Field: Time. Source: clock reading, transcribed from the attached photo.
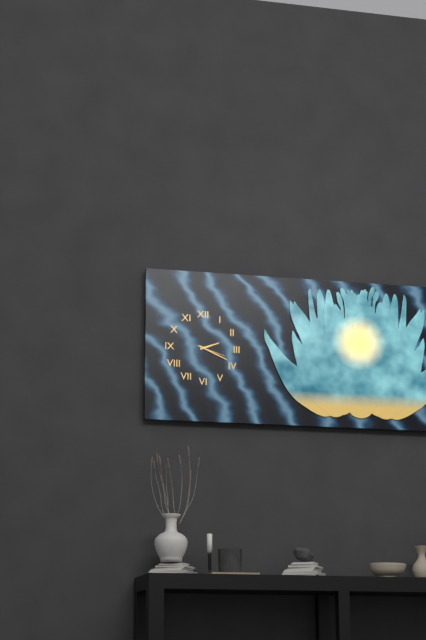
2:19
